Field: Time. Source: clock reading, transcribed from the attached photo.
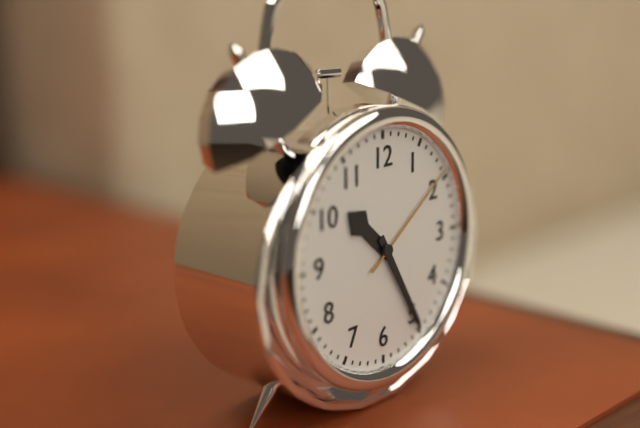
10:25:09
